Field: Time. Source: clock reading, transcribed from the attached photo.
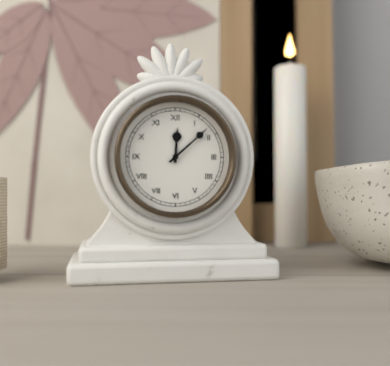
12:08
